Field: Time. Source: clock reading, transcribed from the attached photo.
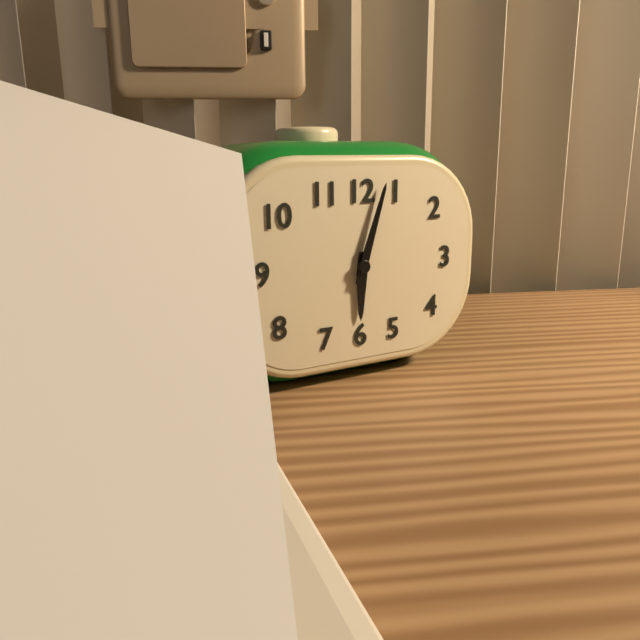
6:03
